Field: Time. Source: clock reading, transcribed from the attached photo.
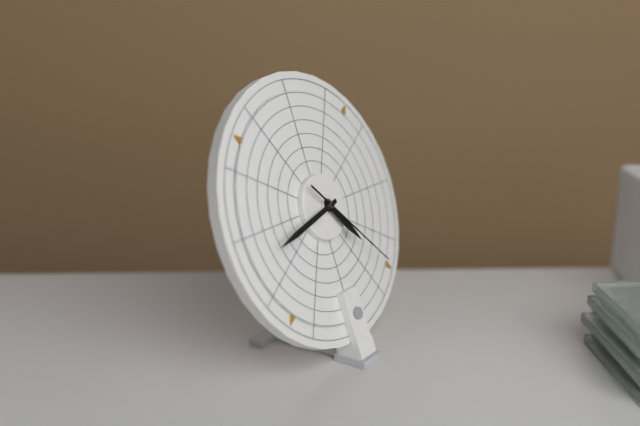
4:43:23
